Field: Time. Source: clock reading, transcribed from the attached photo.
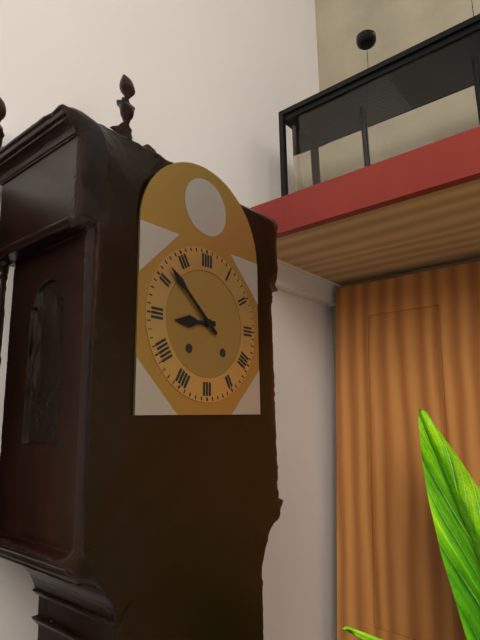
8:52
